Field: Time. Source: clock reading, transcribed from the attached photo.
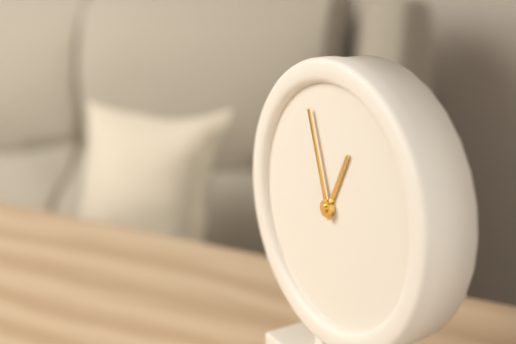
12:57
